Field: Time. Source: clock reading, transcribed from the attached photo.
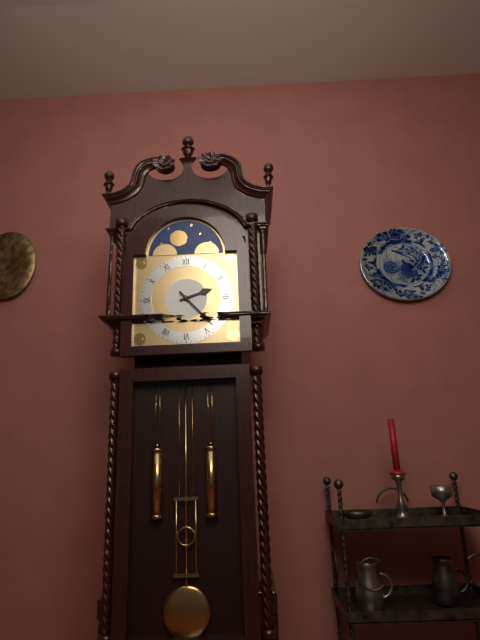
2:23
